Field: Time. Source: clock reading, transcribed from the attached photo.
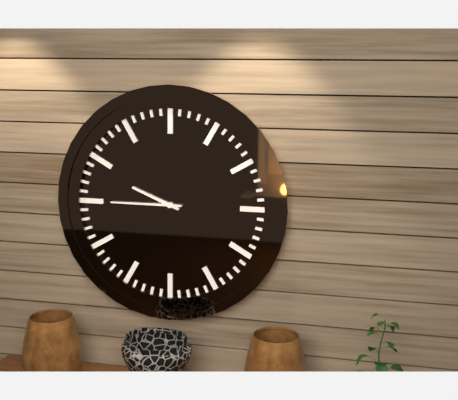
9:45
